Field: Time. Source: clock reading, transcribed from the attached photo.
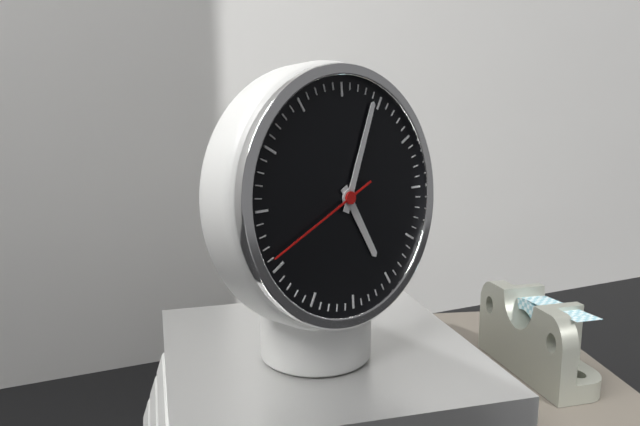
5:04:41
